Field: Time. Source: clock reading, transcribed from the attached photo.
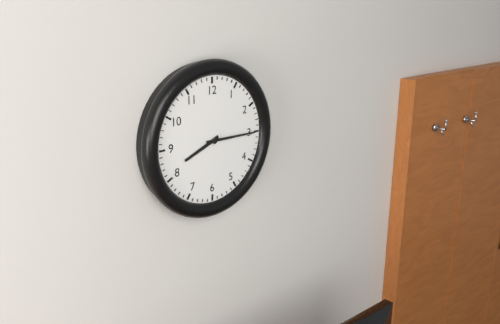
8:15
